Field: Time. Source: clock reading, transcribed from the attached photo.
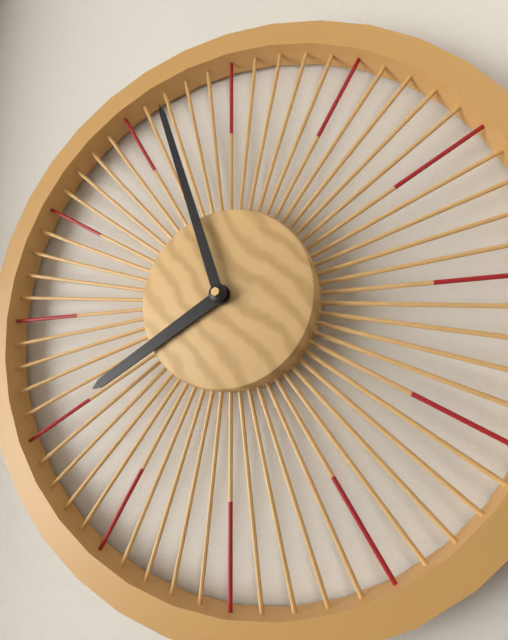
7:57
